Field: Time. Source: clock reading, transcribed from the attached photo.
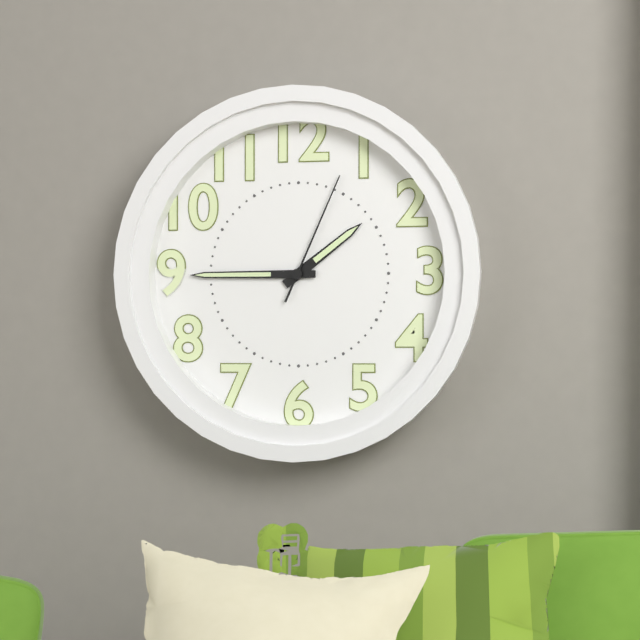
1:45:04
